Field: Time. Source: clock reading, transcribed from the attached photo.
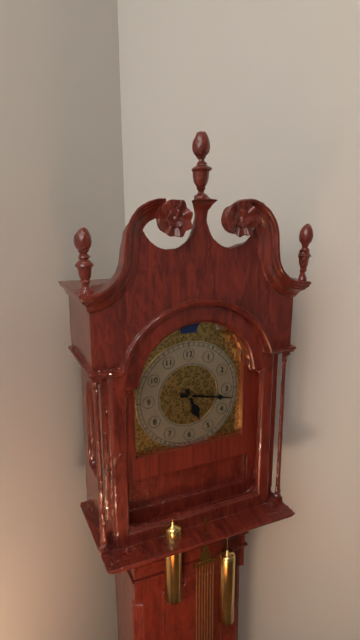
5:17
